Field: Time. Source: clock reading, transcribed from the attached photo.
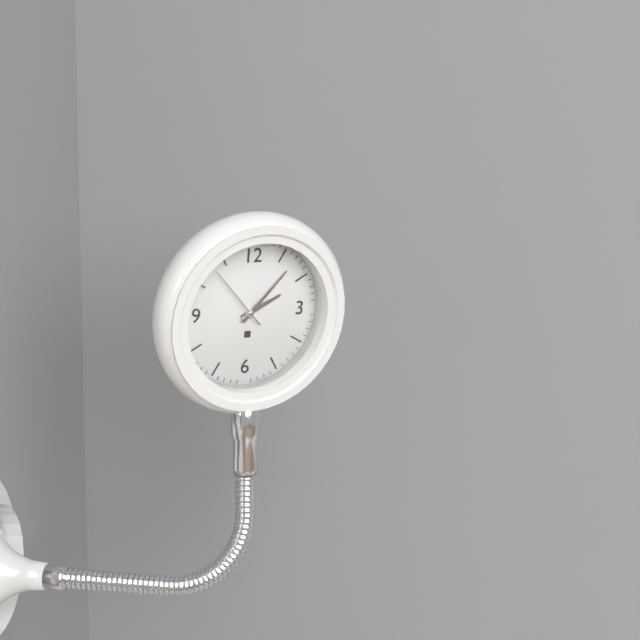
2:07:53
